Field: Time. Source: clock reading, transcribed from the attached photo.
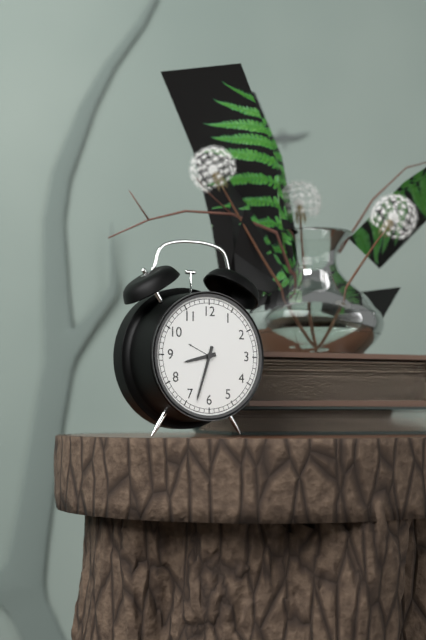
8:33
